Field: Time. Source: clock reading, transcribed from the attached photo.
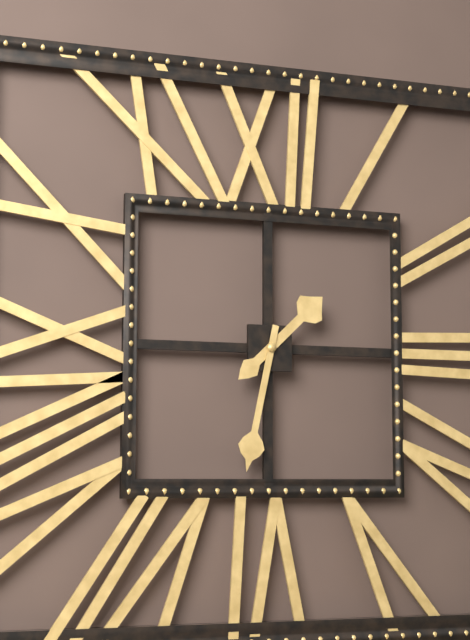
1:32
